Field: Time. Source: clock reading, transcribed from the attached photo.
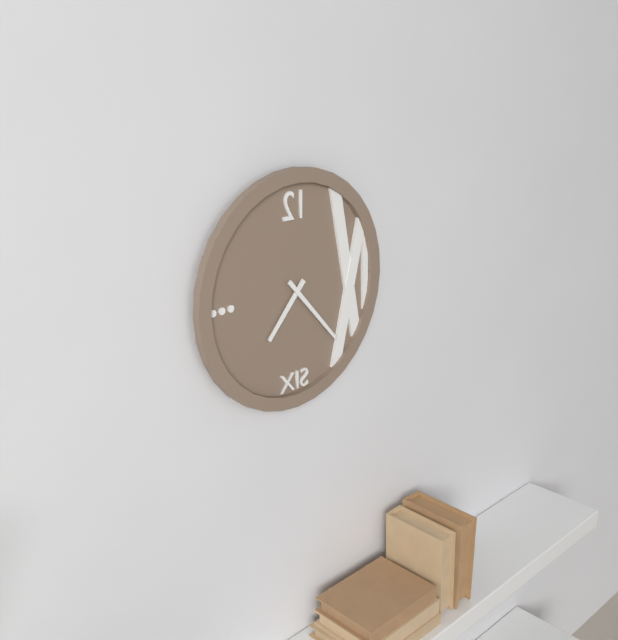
7:23
